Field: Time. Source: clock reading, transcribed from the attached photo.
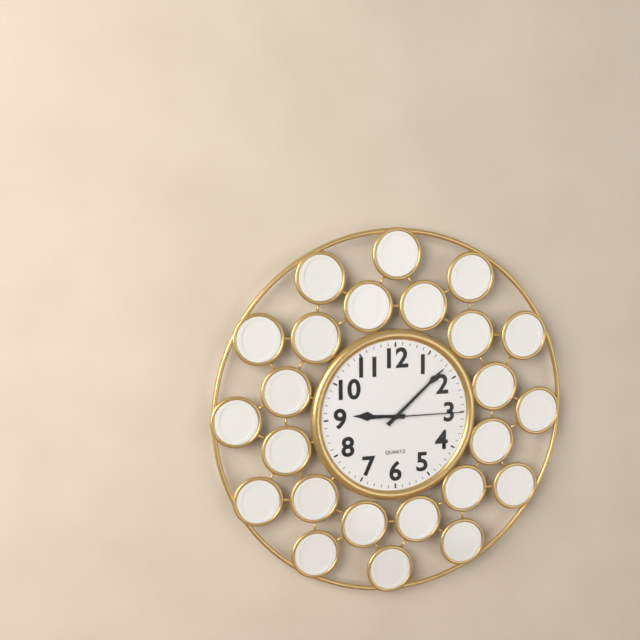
9:08:15
